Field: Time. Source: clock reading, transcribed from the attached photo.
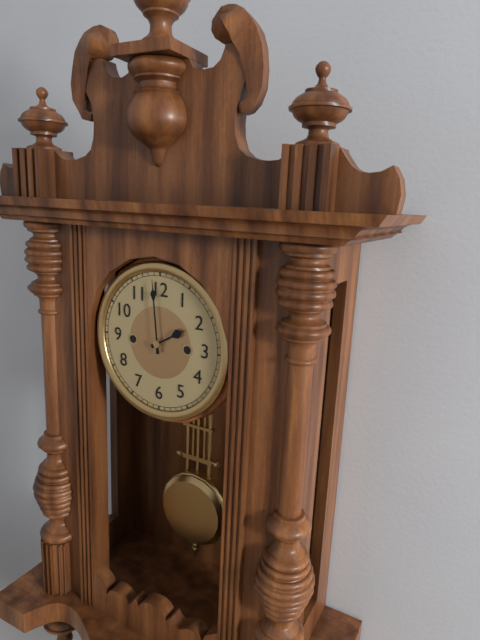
1:59
